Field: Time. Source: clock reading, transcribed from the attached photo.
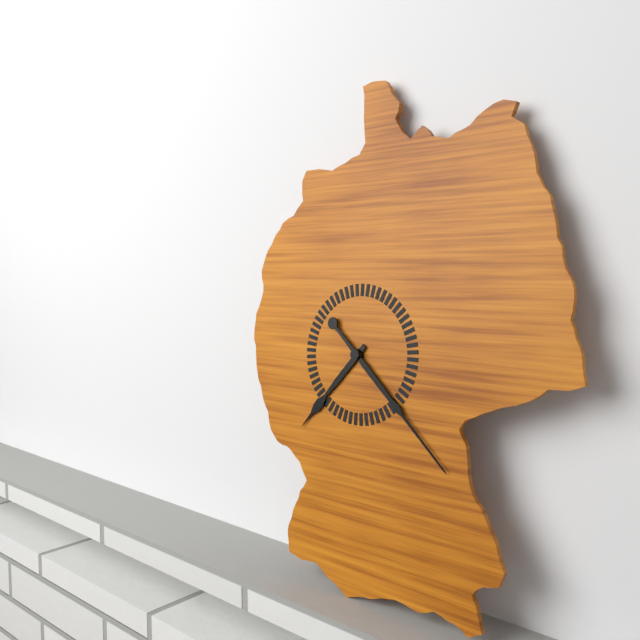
7:22
